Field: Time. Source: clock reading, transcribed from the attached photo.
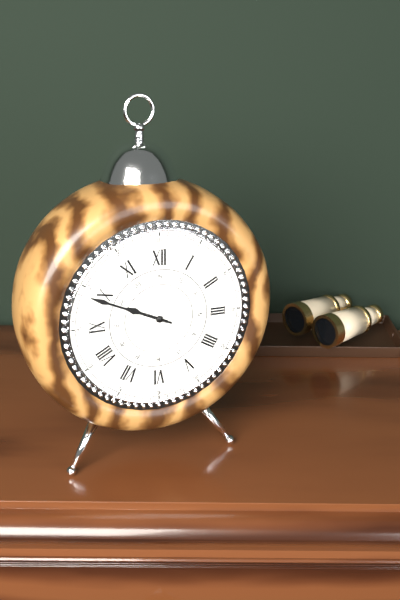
9:49
